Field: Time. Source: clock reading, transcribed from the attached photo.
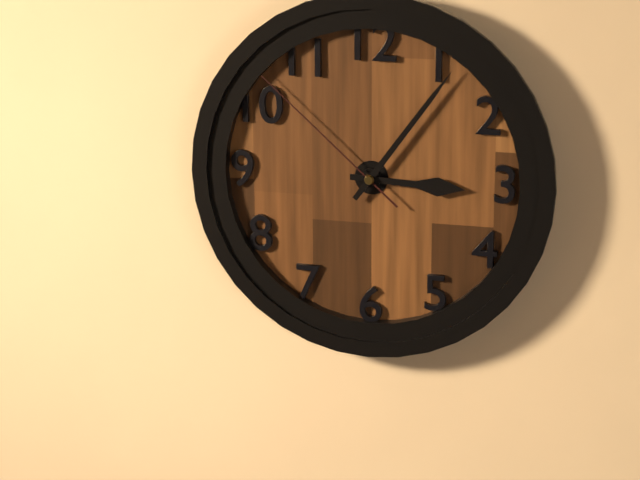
3:06:52
